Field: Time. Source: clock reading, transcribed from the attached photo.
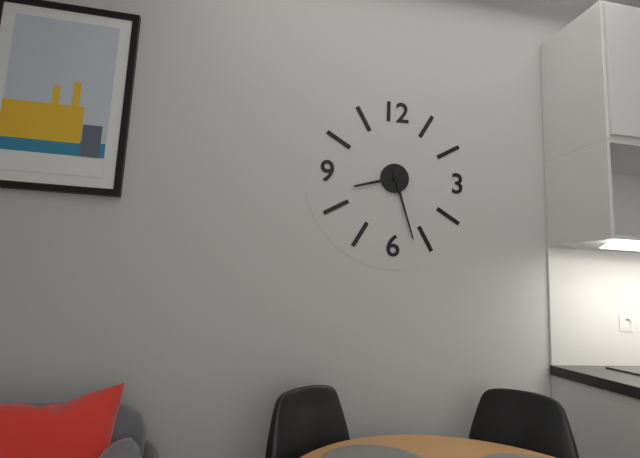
8:27
